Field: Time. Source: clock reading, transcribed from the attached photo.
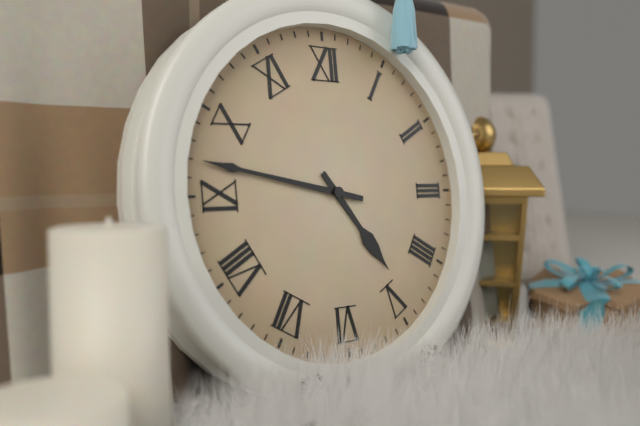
4:47
